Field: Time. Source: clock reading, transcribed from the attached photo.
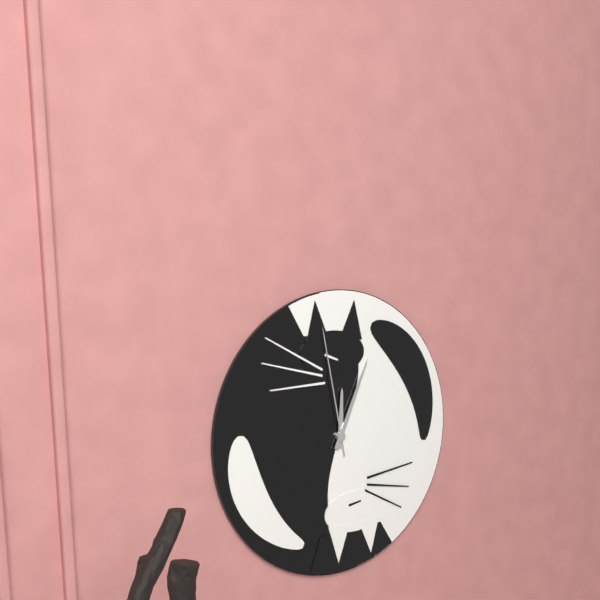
12:04:58
